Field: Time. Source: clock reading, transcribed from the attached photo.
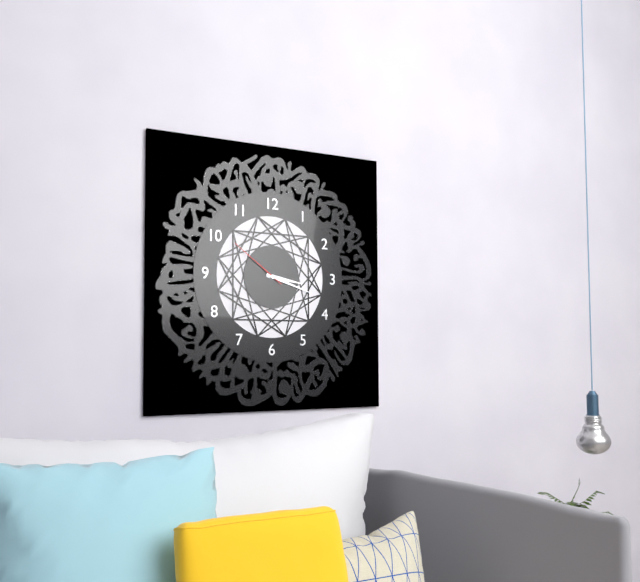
3:18:51
